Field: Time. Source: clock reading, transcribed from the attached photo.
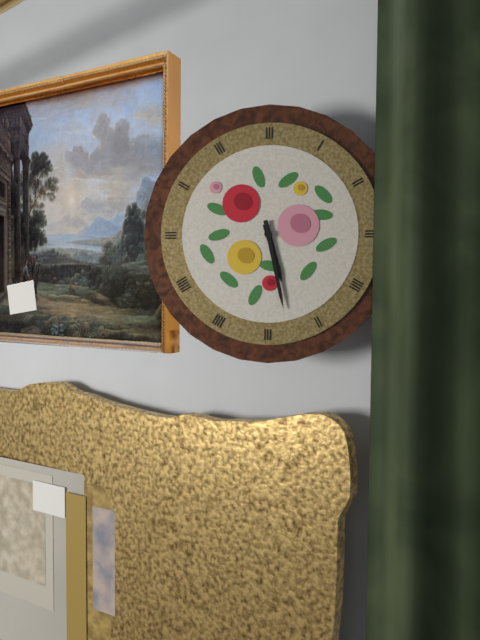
5:28
